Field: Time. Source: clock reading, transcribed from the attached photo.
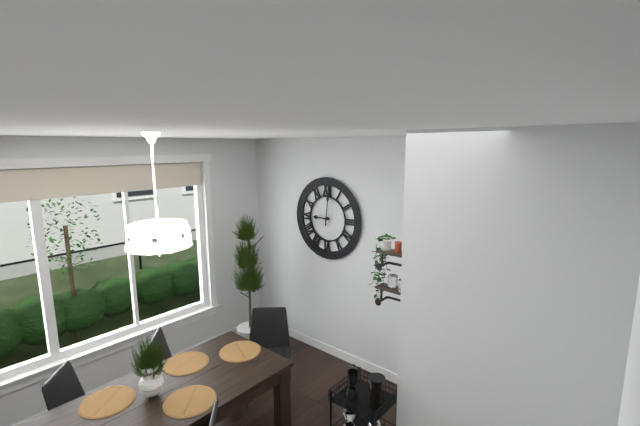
9:01
